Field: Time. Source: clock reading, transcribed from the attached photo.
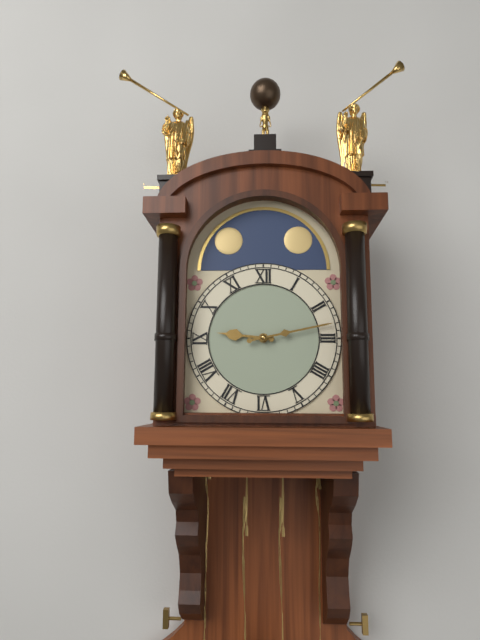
9:13
